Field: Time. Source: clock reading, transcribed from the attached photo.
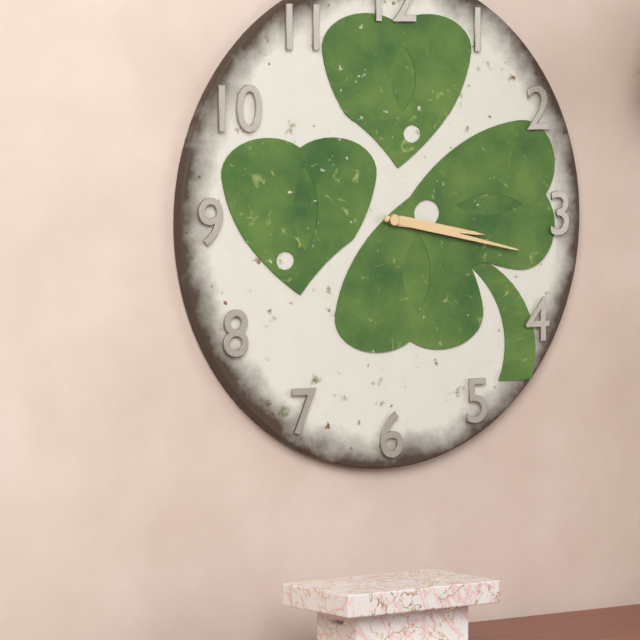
3:17
